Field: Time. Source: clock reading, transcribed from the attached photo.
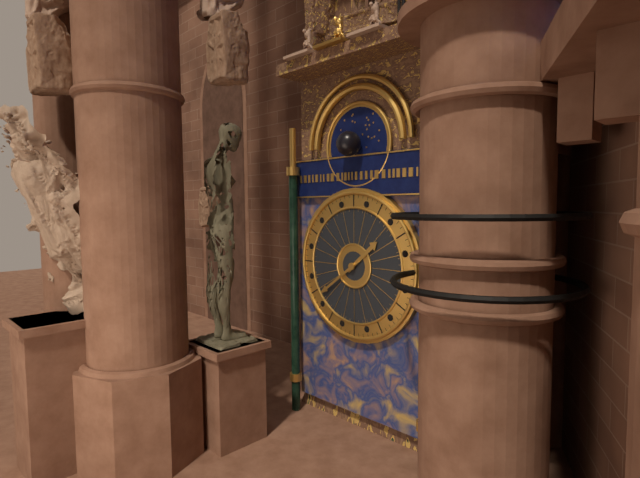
1:39
